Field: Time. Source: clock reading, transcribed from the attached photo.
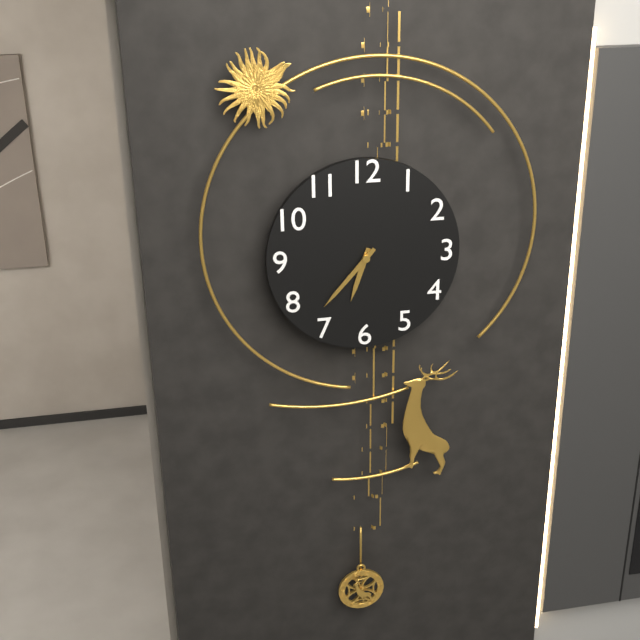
6:37
